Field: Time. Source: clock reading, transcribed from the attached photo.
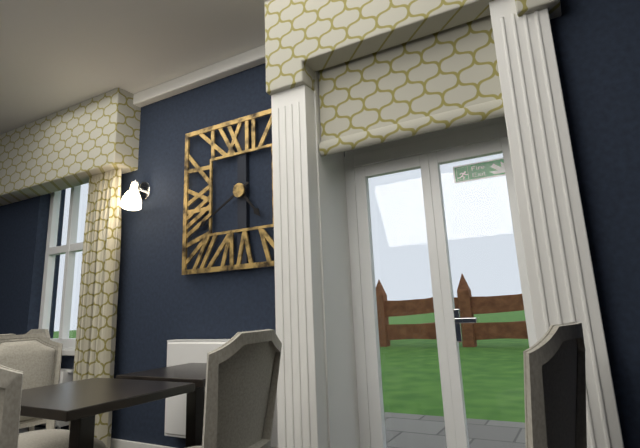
4:40
